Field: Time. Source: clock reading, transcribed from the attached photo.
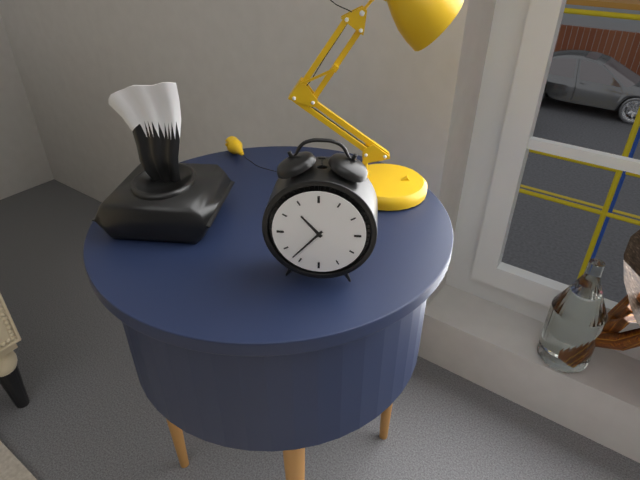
10:37
